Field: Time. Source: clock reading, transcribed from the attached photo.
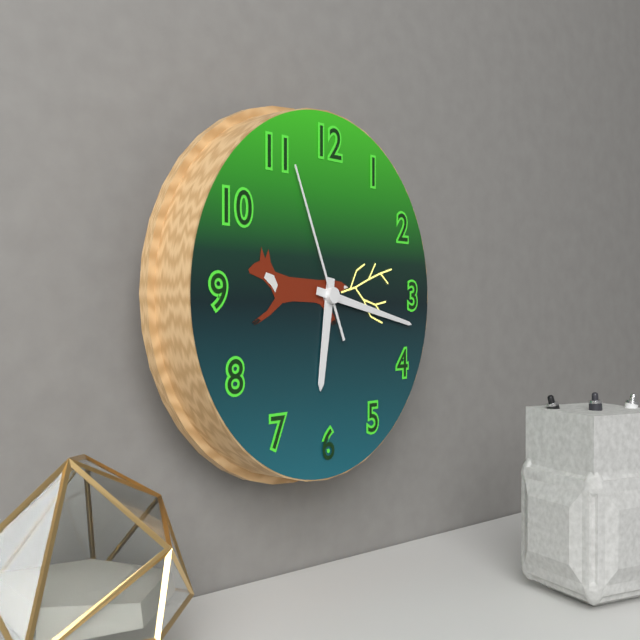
6:17:56
